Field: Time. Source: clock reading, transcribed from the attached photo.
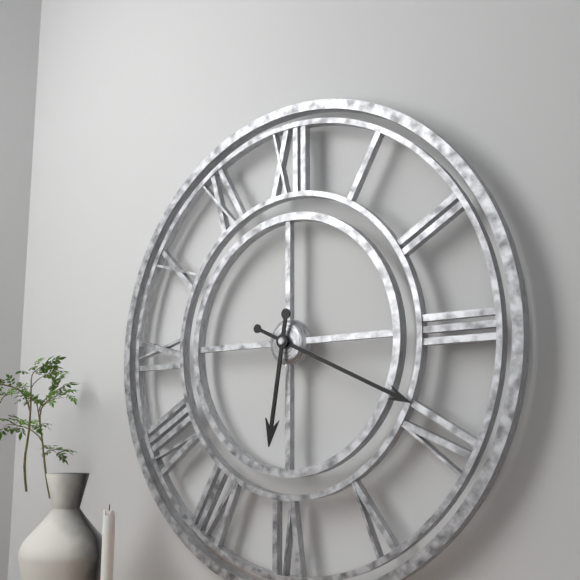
6:19
